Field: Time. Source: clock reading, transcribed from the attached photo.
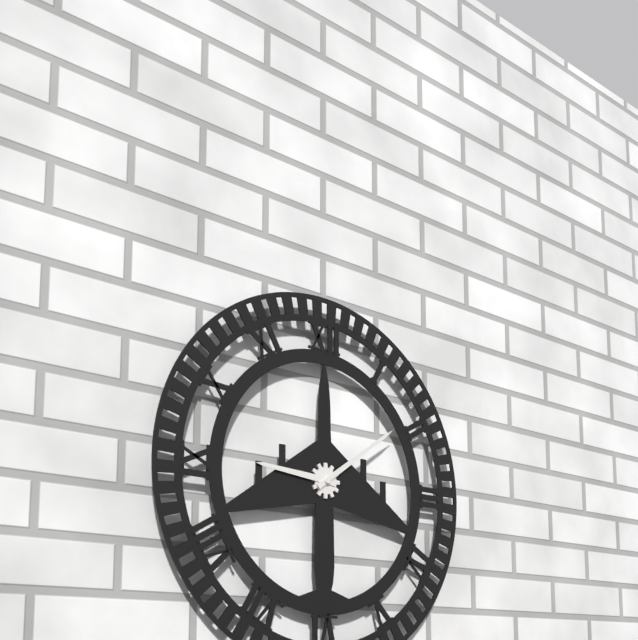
9:09
